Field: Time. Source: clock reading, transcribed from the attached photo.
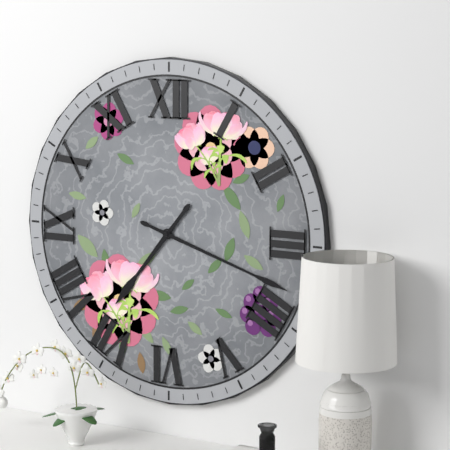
7:18
